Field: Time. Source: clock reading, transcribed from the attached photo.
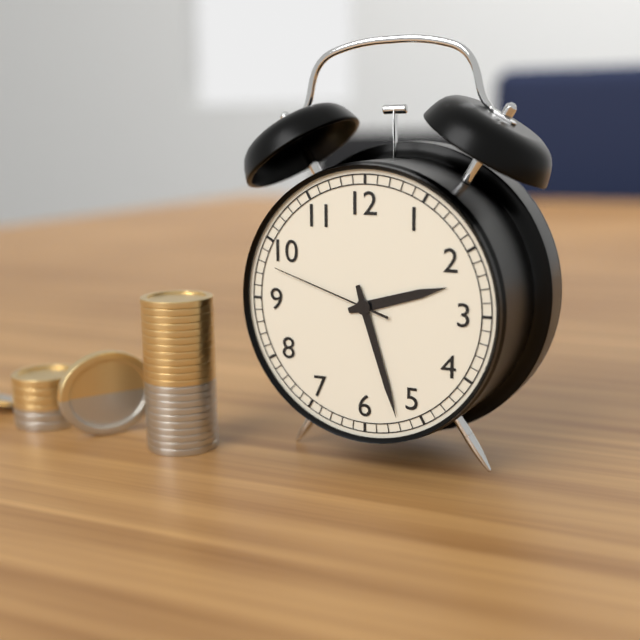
2:27:48
